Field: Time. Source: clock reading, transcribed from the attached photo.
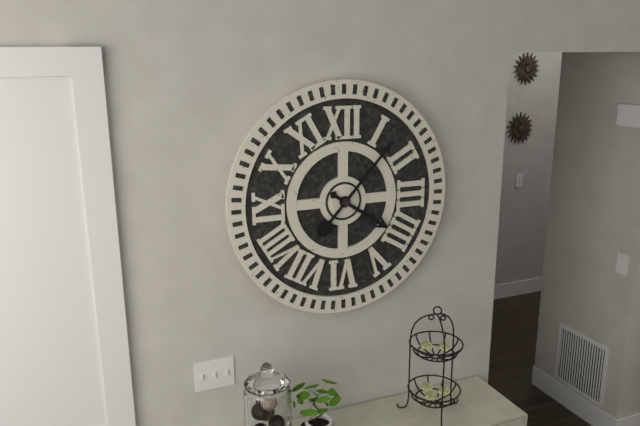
4:07
